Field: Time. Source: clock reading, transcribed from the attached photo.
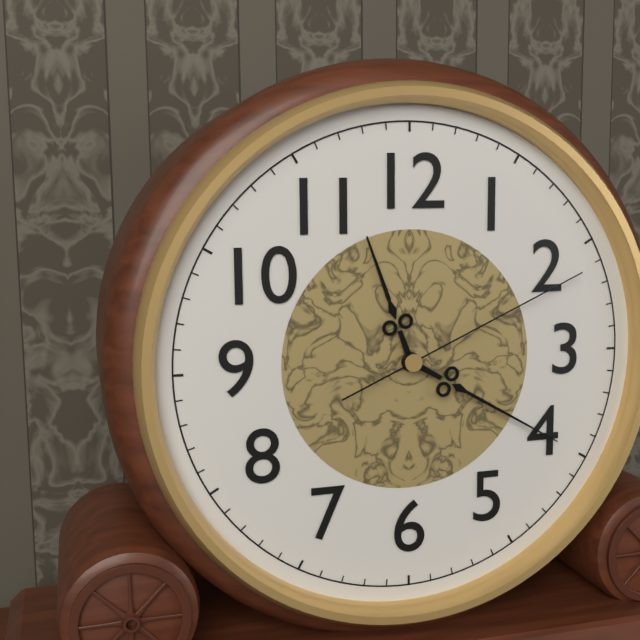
11:20:11
